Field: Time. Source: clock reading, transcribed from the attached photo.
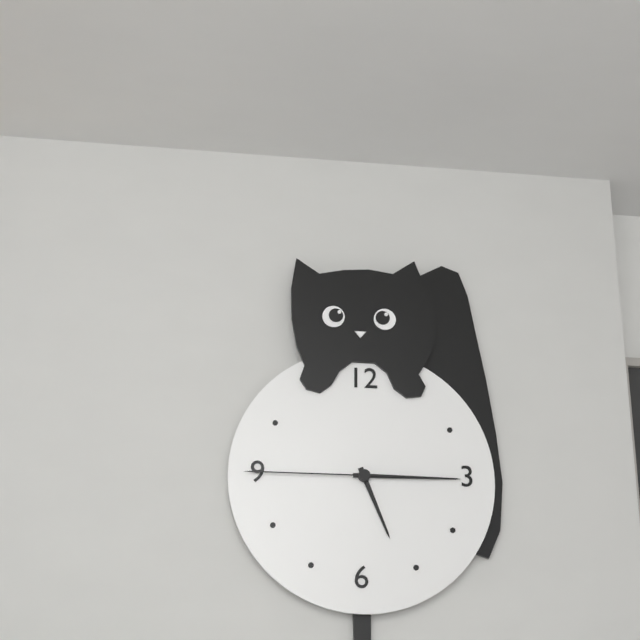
5:15:45
